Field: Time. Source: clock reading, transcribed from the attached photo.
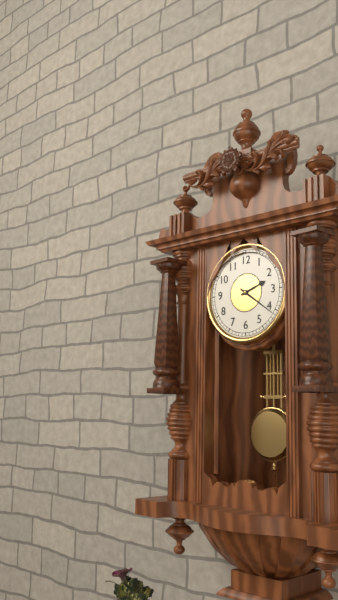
2:21
